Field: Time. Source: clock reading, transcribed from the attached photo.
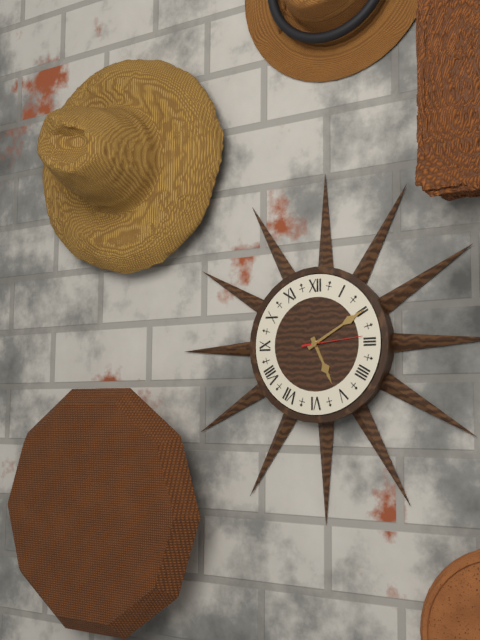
5:10
